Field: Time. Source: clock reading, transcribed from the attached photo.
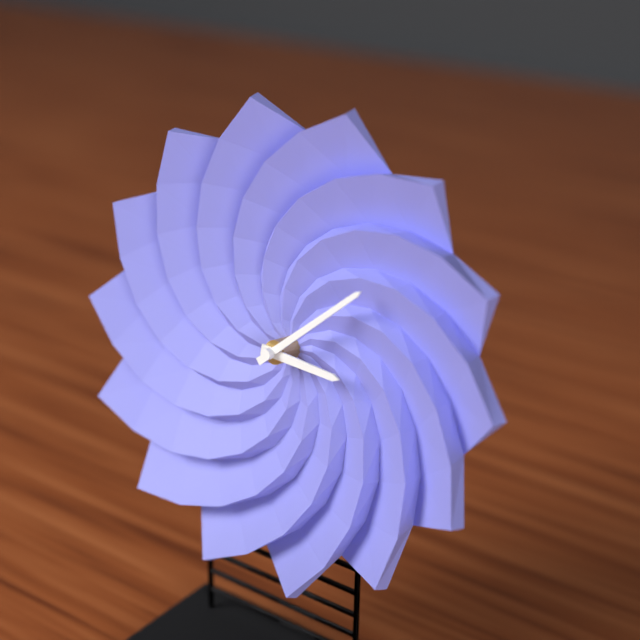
3:08
